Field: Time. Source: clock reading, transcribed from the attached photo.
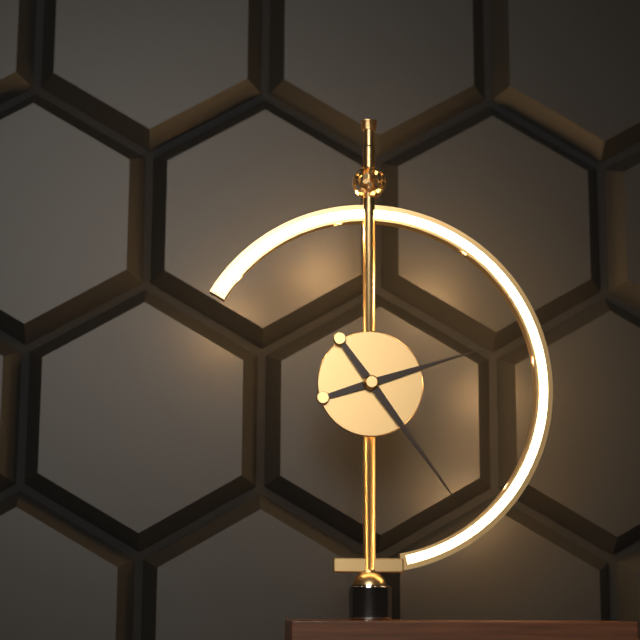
2:24
